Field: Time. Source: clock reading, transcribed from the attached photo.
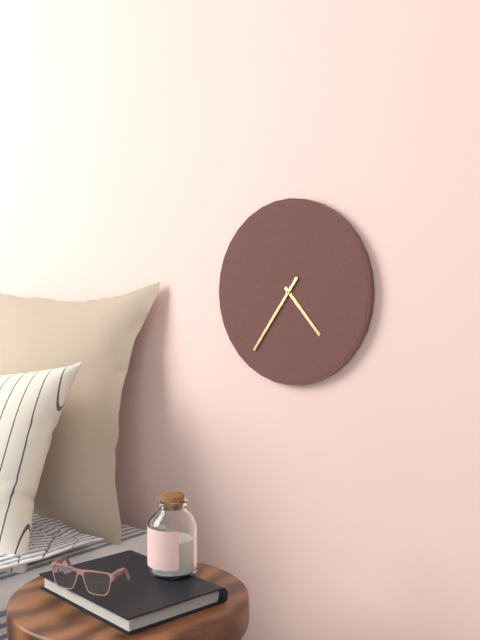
4:36
